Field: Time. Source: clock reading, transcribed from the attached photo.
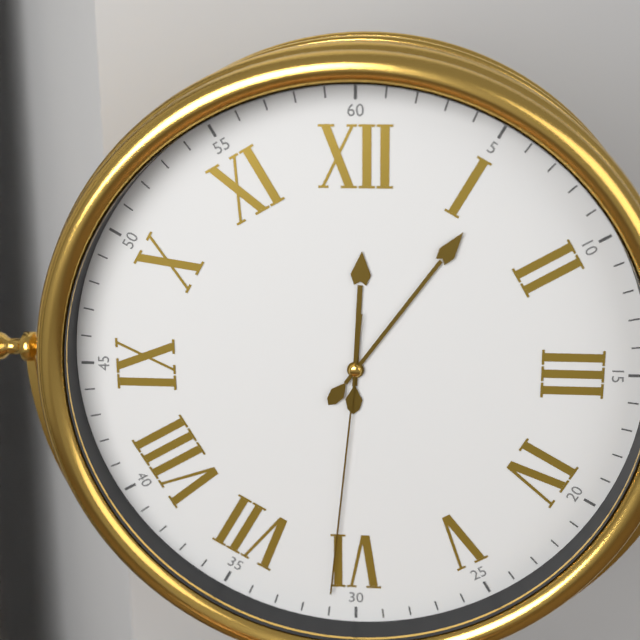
12:06:31
